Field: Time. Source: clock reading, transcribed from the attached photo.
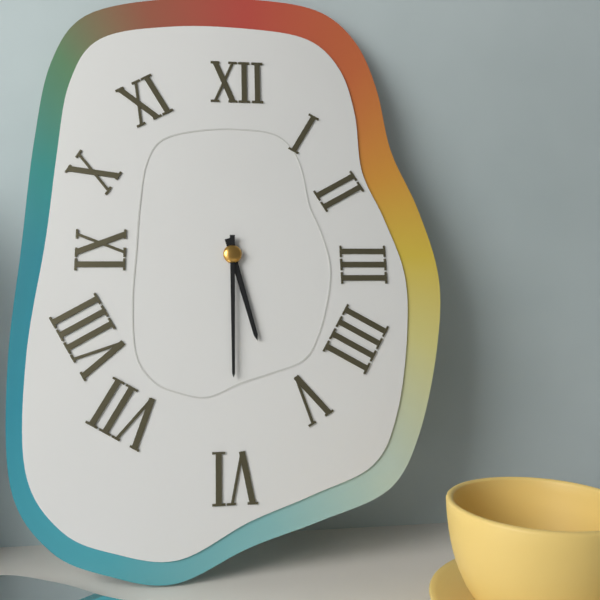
5:30
